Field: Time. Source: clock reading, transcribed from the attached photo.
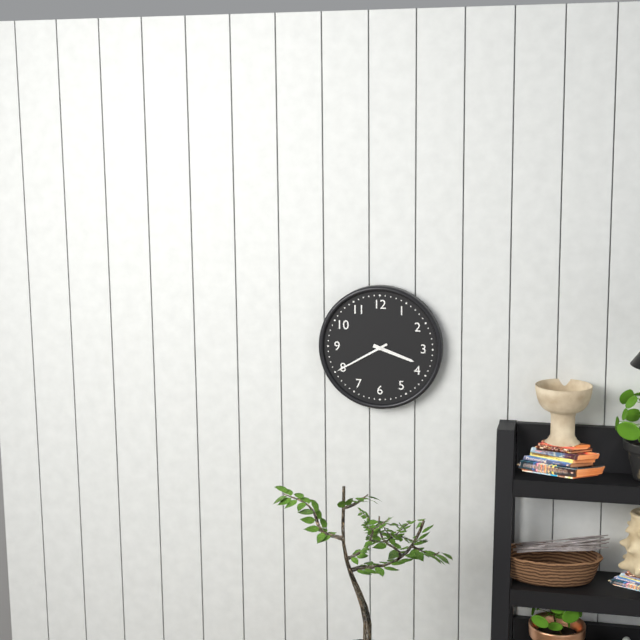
3:40
